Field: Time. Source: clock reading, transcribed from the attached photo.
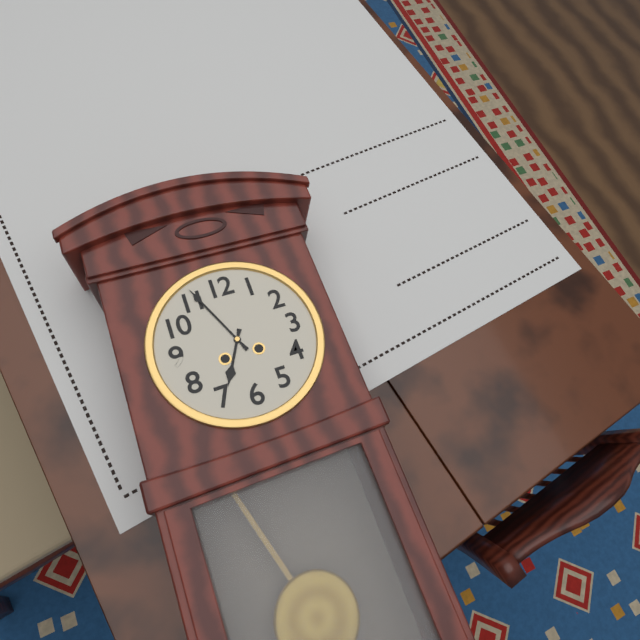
6:56
